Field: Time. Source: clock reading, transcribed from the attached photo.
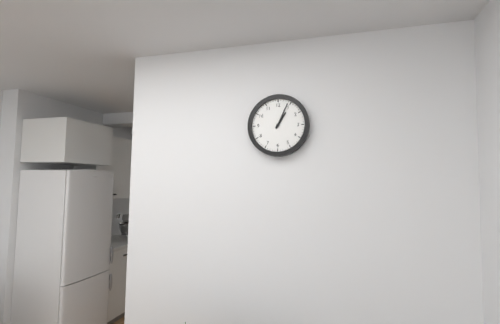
1:04
